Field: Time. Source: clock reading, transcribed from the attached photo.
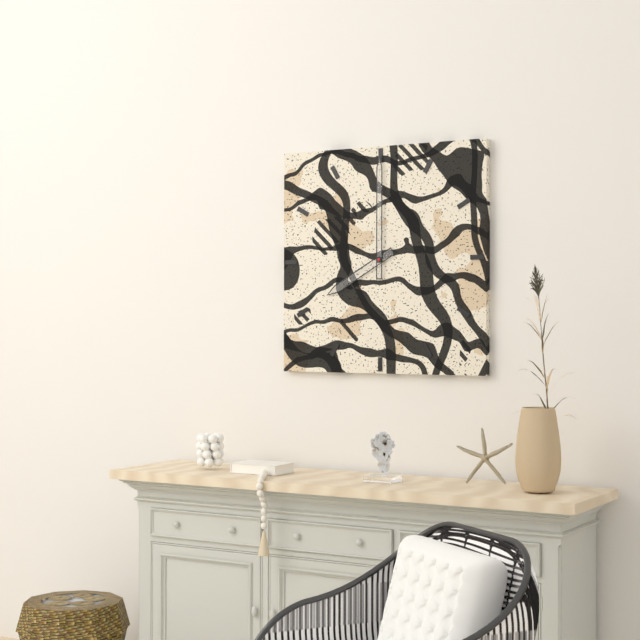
8:00
